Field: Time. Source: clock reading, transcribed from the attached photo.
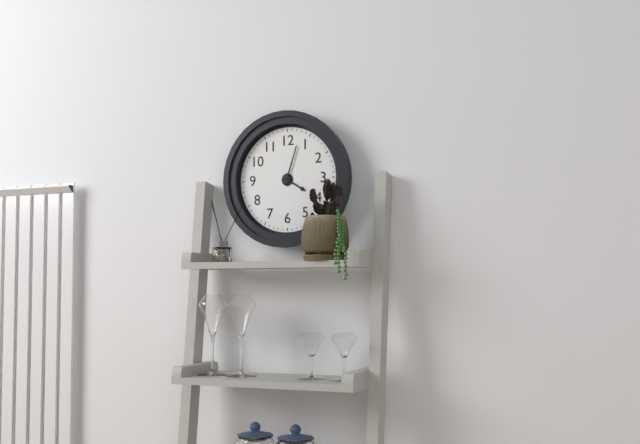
4:03
